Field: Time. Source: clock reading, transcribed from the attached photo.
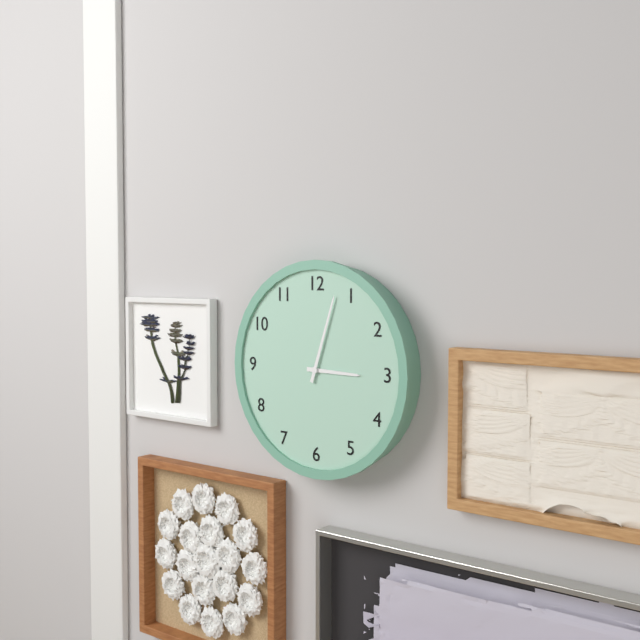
3:03
